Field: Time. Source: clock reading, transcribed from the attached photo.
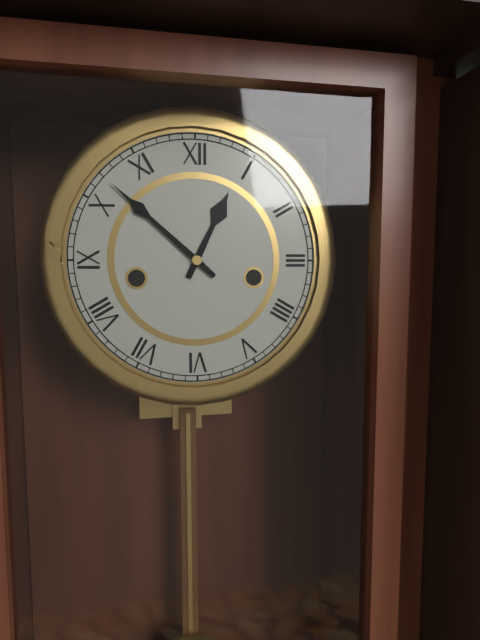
12:52
